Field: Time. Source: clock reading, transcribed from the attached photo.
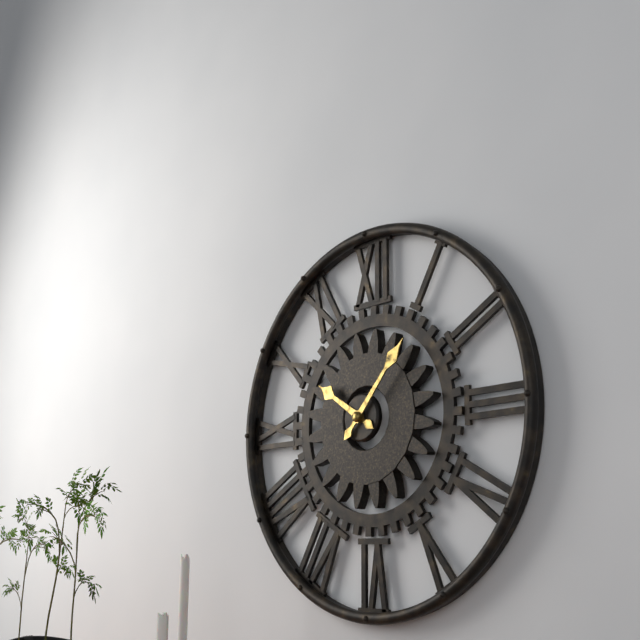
10:07
